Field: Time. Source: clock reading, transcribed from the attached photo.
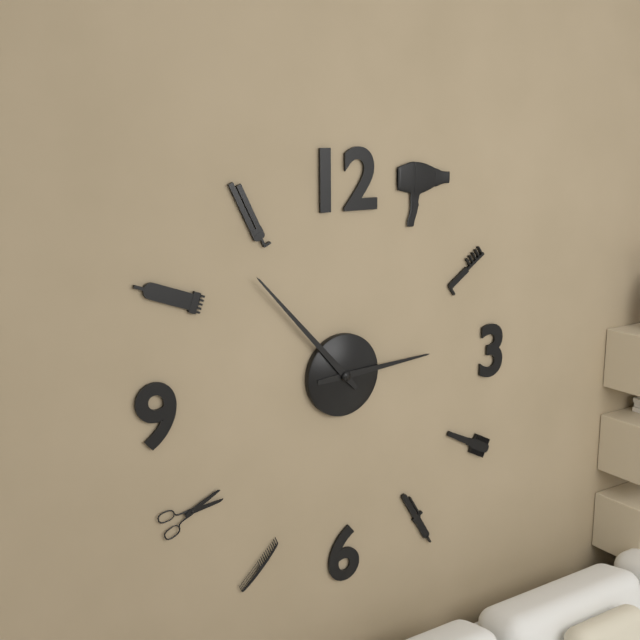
2:53
